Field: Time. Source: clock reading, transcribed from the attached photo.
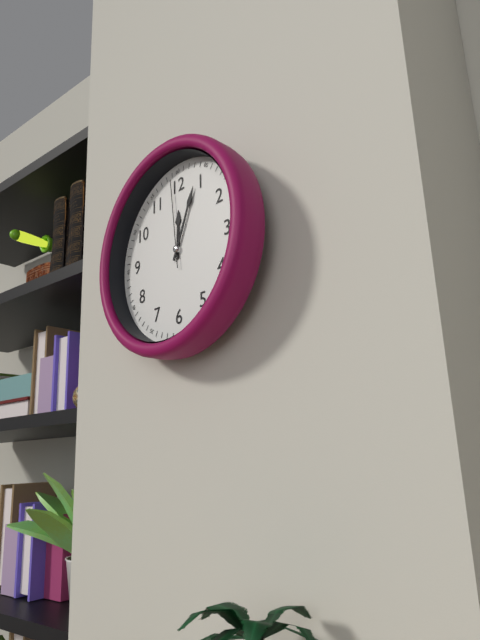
12:04:59
